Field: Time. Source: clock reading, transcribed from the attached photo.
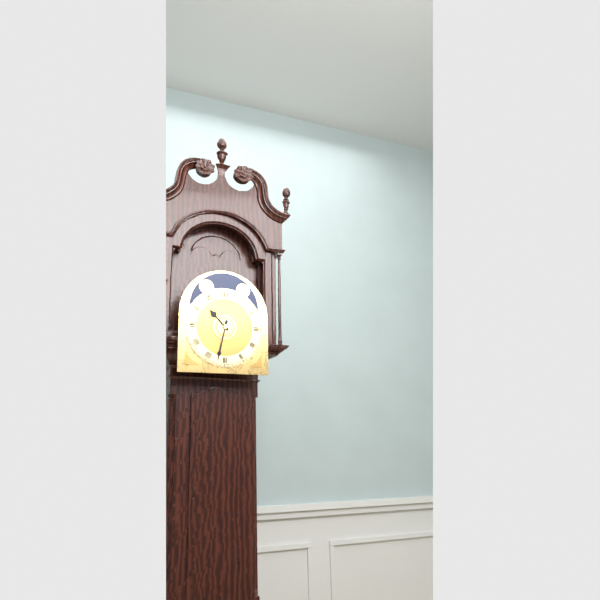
10:32
